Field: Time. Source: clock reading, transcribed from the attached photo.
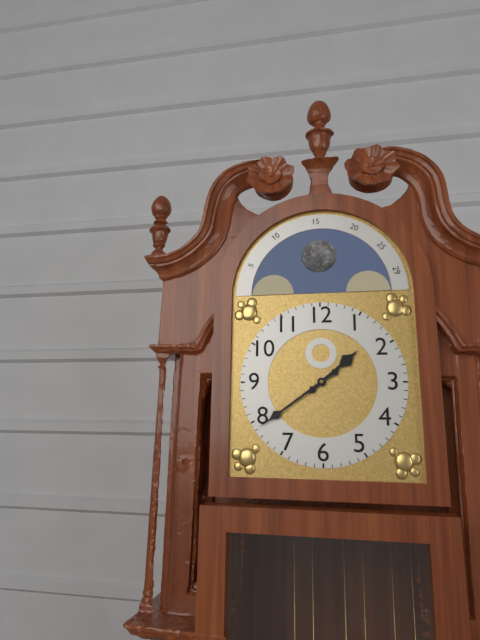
1:39
